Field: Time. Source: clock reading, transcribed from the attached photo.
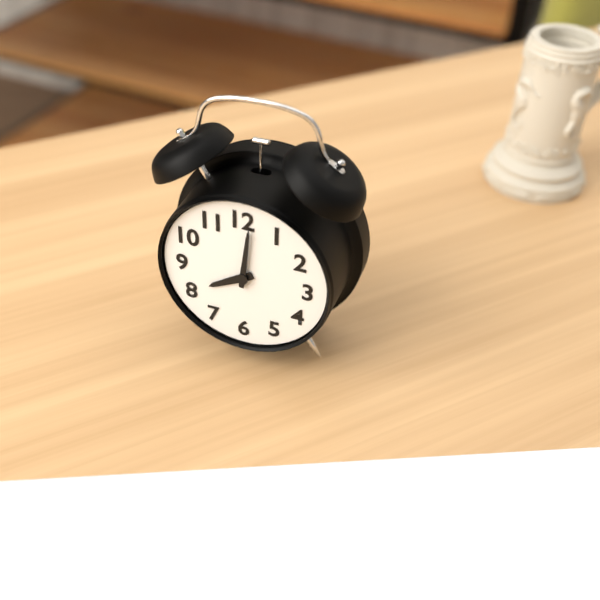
8:01
